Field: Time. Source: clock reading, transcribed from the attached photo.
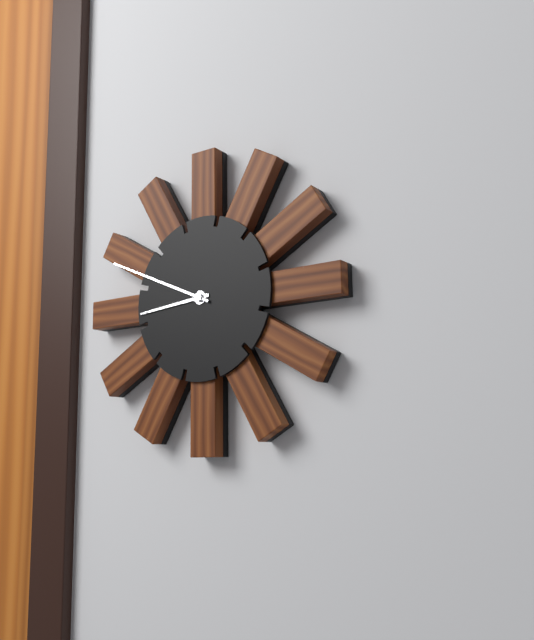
8:49
